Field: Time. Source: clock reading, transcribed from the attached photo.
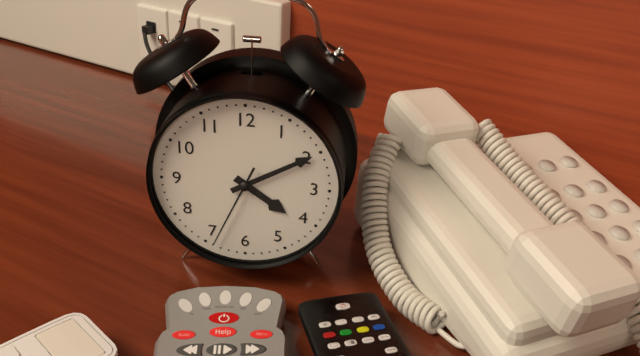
4:10:34
